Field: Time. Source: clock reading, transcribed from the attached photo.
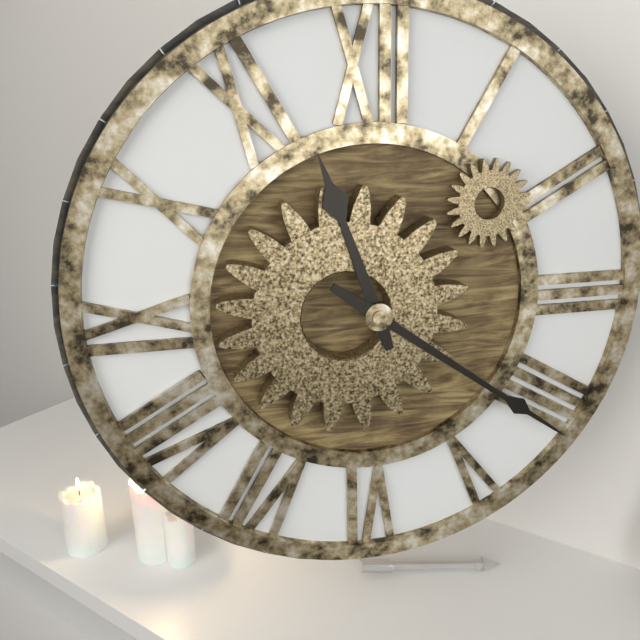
11:21
